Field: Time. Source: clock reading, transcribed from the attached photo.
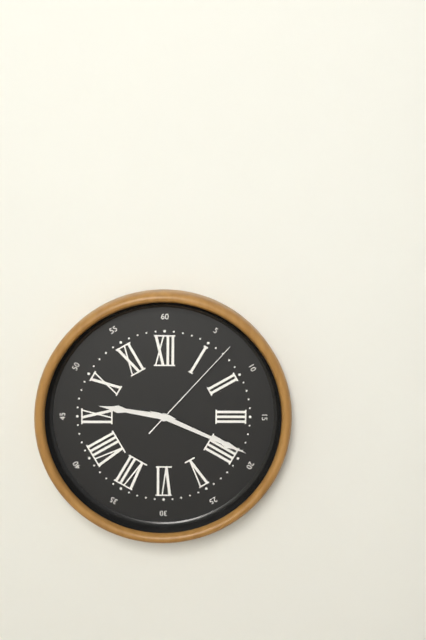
9:19:07
